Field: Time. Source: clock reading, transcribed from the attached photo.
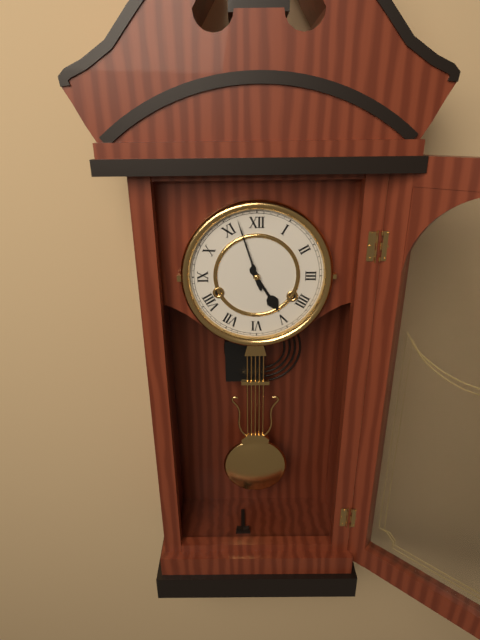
4:57
